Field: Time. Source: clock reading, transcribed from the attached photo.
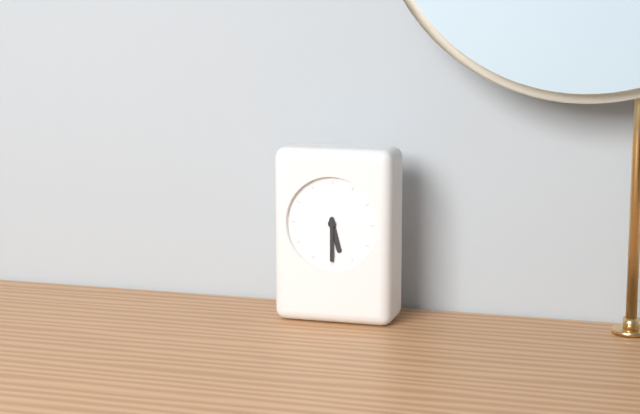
5:30
